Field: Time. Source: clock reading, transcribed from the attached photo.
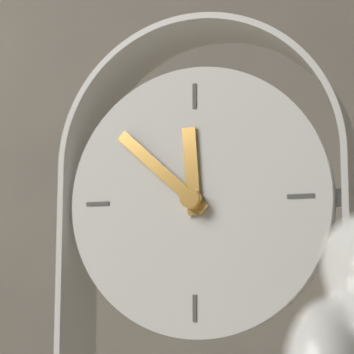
11:52
